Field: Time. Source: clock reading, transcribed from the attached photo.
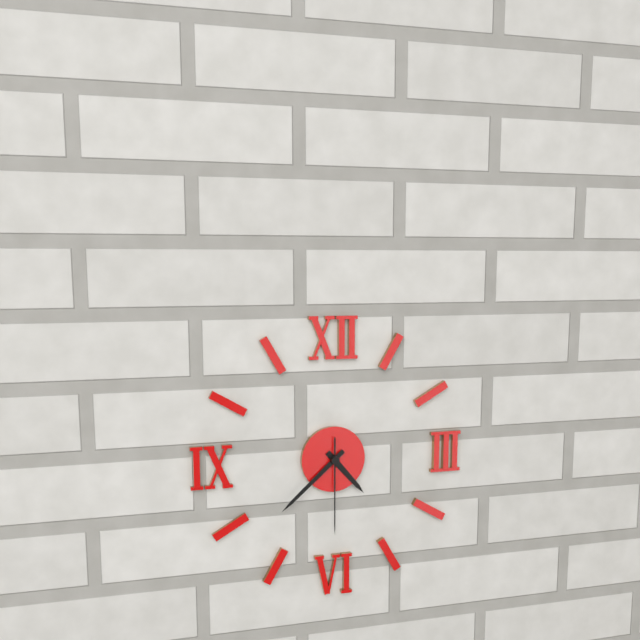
4:38:30
